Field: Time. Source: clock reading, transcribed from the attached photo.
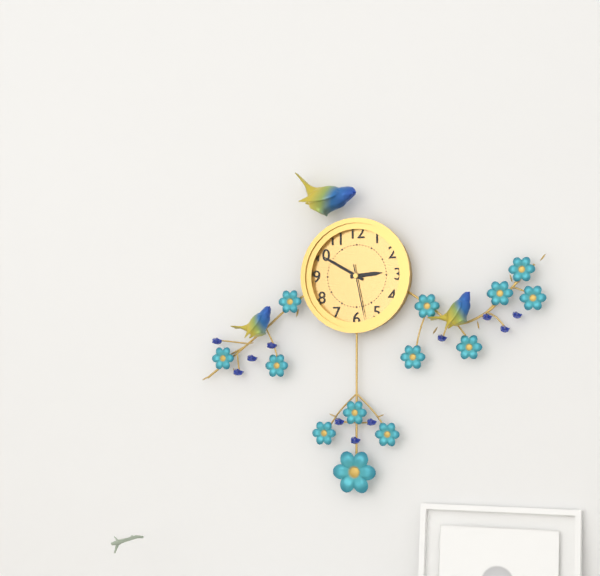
2:50:28
